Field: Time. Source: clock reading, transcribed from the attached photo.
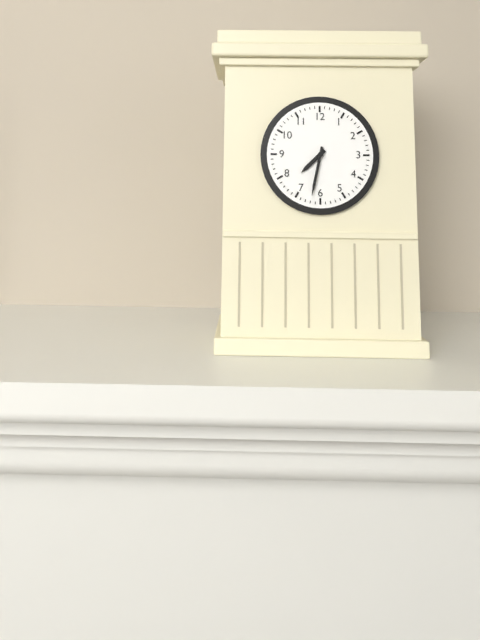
7:32
